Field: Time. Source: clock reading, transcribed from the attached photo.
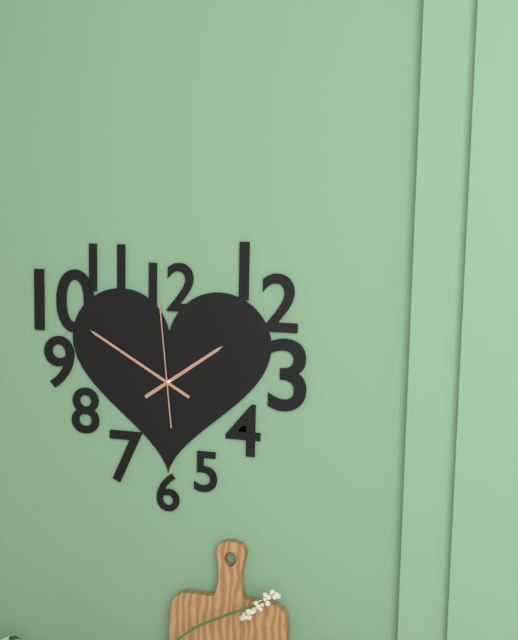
1:50:59
